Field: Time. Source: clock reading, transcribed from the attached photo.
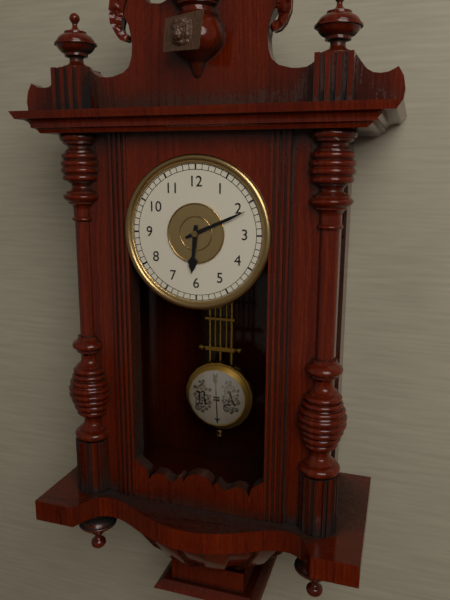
6:11
